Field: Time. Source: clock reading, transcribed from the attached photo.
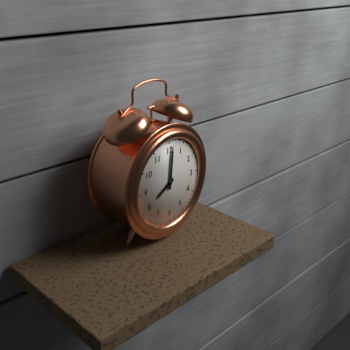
8:01
